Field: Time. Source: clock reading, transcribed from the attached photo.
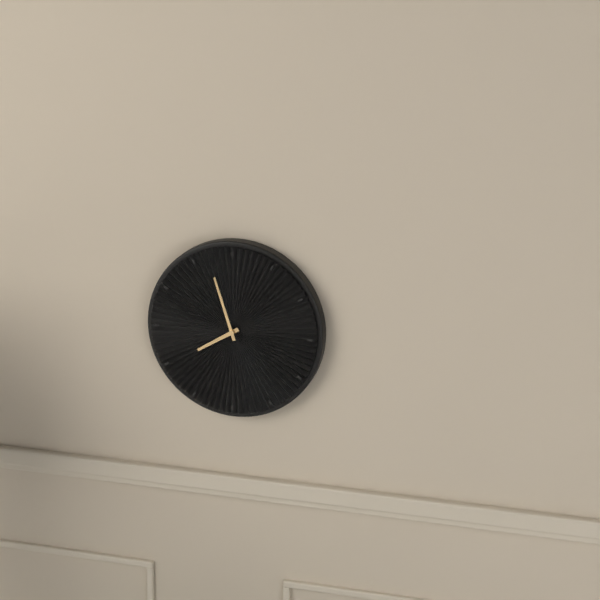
7:57
